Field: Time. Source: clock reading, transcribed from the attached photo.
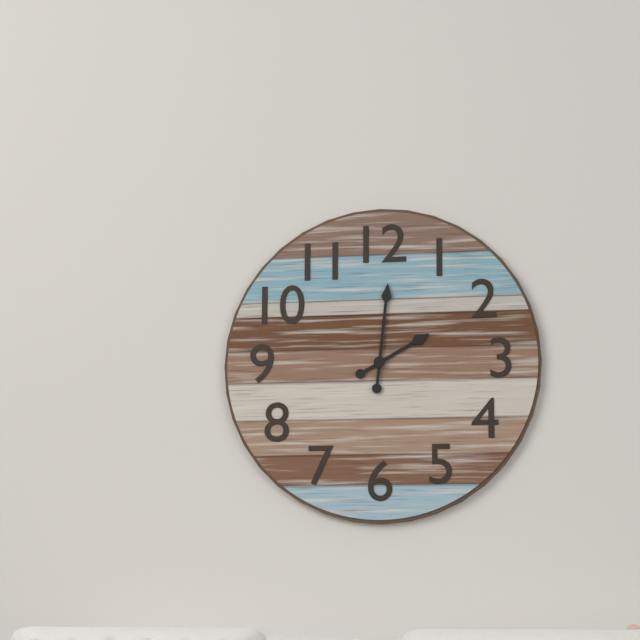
2:01
